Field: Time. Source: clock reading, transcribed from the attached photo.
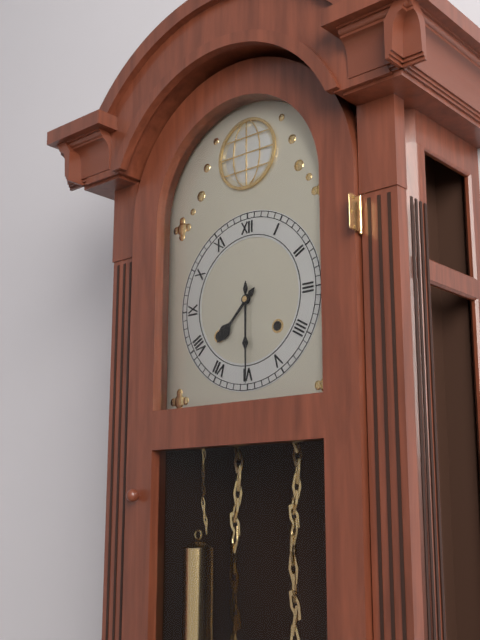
7:30
